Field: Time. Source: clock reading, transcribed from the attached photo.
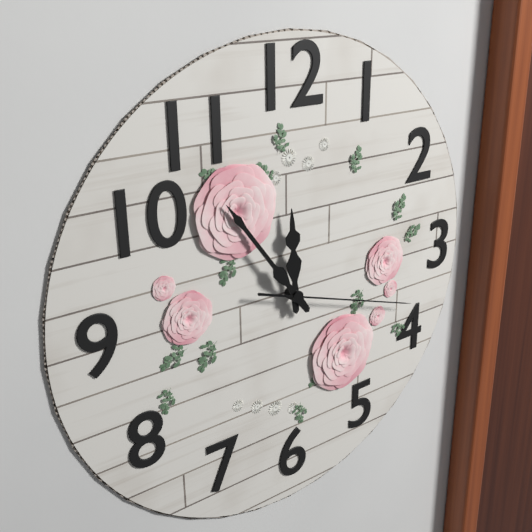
11:54:18
